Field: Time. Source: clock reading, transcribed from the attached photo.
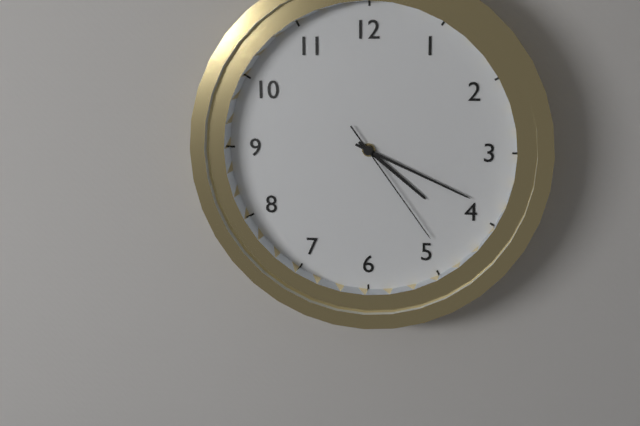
4:19:24
